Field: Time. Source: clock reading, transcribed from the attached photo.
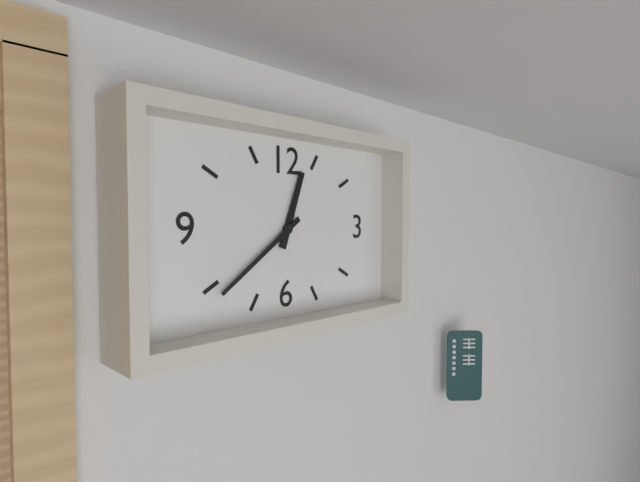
12:39
